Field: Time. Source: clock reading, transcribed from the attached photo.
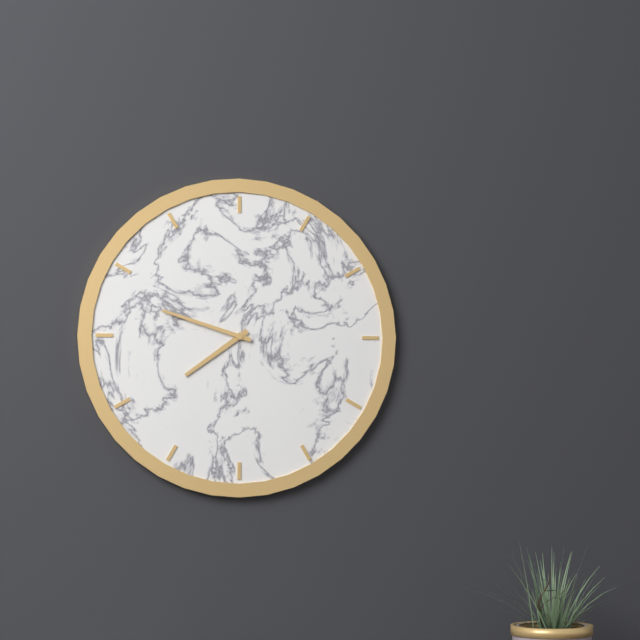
7:48
